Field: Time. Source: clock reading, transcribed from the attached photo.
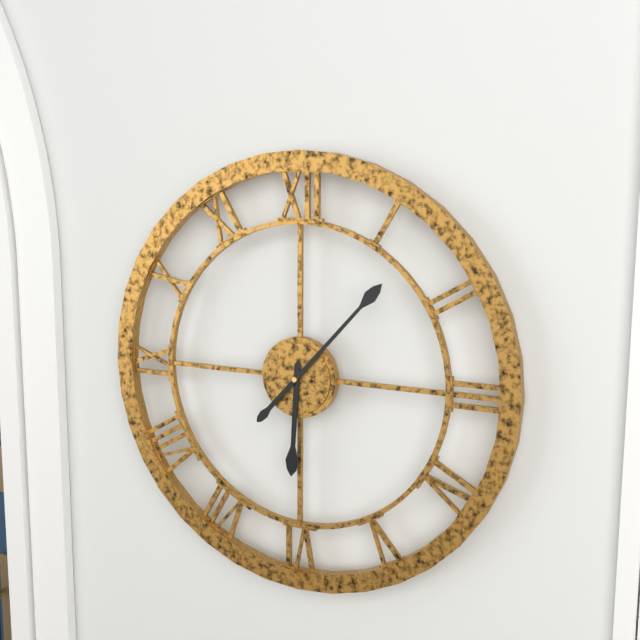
6:07
